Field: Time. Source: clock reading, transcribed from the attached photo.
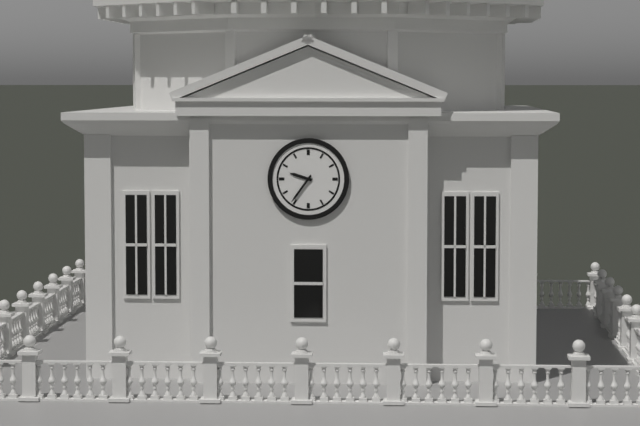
9:36
